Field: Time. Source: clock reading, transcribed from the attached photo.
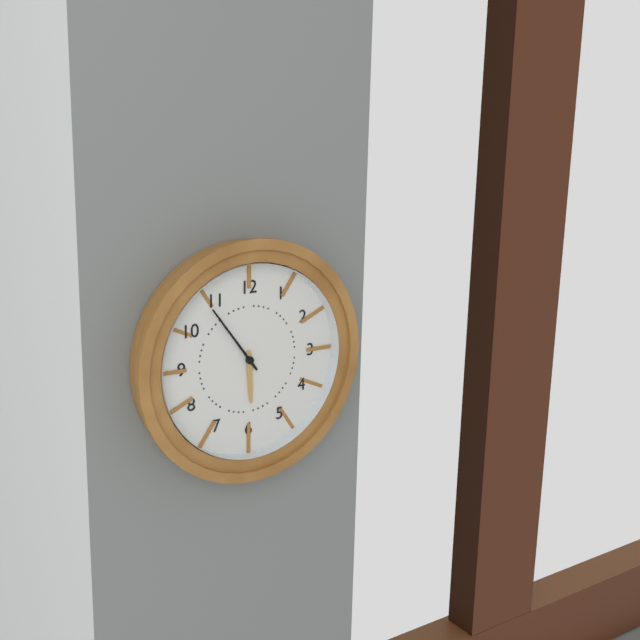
5:54
